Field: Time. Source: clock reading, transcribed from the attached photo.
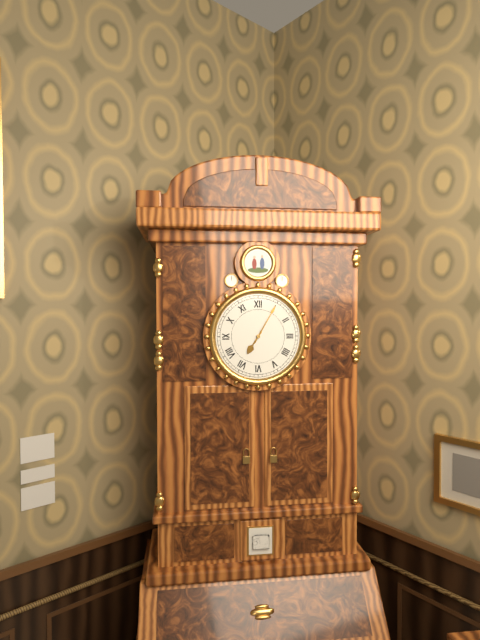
7:05
